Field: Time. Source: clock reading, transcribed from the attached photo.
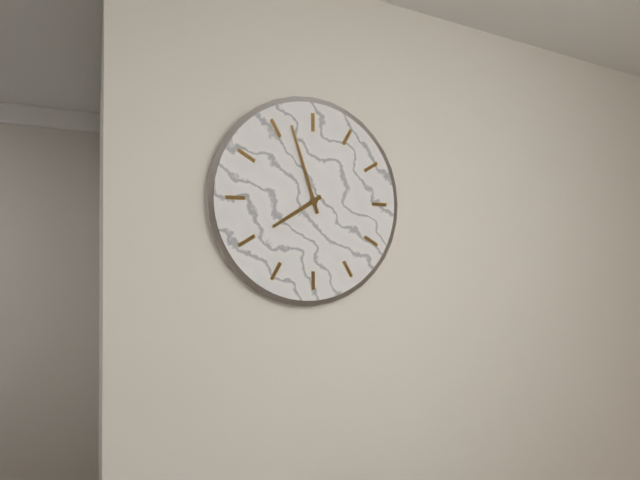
7:57
